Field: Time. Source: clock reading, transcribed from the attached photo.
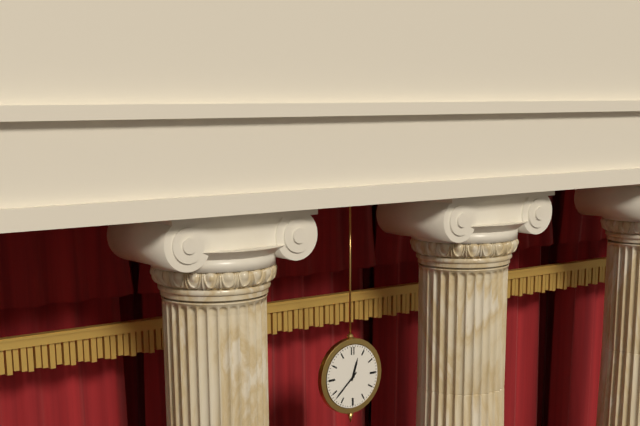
12:38
